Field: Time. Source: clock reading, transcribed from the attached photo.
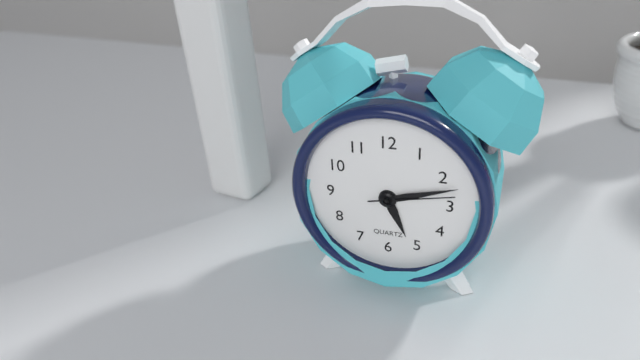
5:12:13
